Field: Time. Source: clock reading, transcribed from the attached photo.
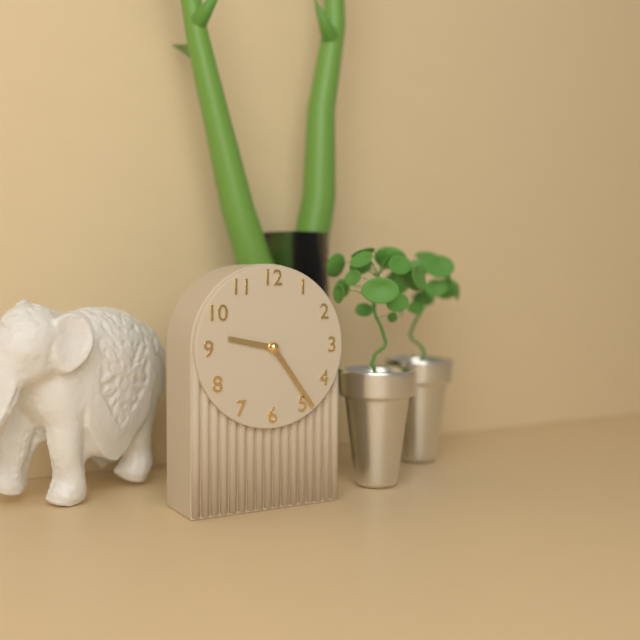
9:24
